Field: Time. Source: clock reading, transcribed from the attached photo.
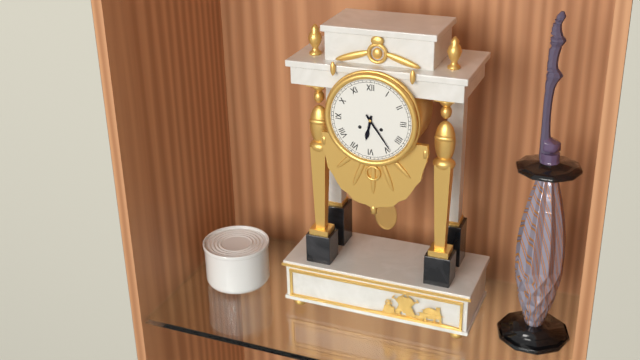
6:24
